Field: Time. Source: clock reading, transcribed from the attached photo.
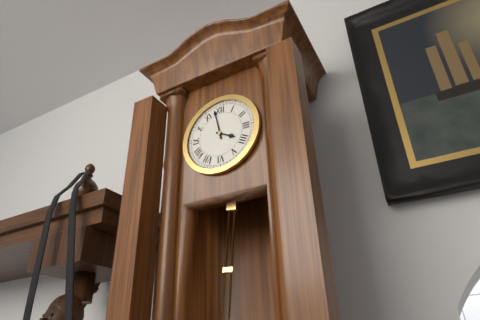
3:58
